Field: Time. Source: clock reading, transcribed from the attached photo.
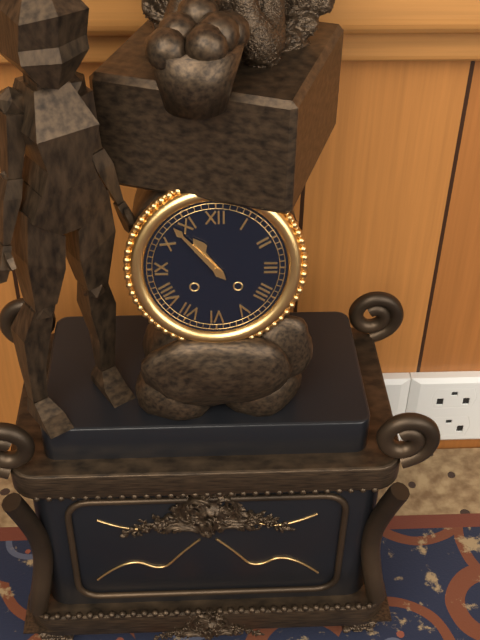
10:53
